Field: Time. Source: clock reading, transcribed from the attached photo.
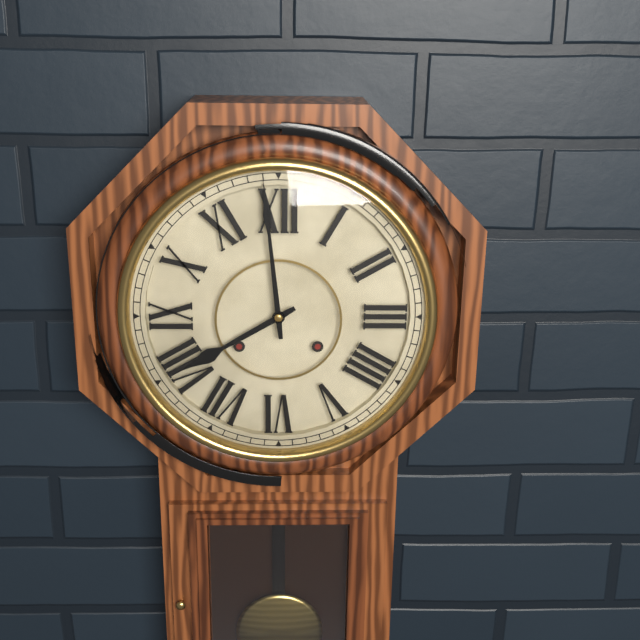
7:59
